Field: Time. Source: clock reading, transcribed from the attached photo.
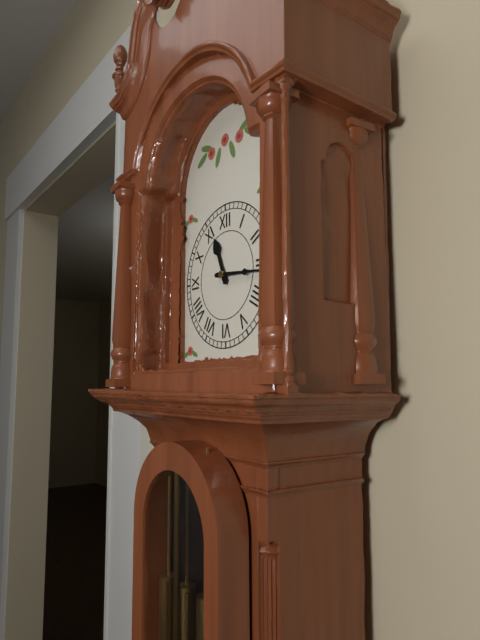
11:16
